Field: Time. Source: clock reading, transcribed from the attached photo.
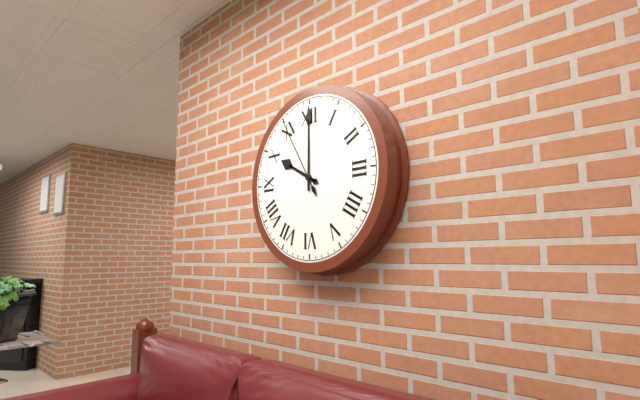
10:00:55
